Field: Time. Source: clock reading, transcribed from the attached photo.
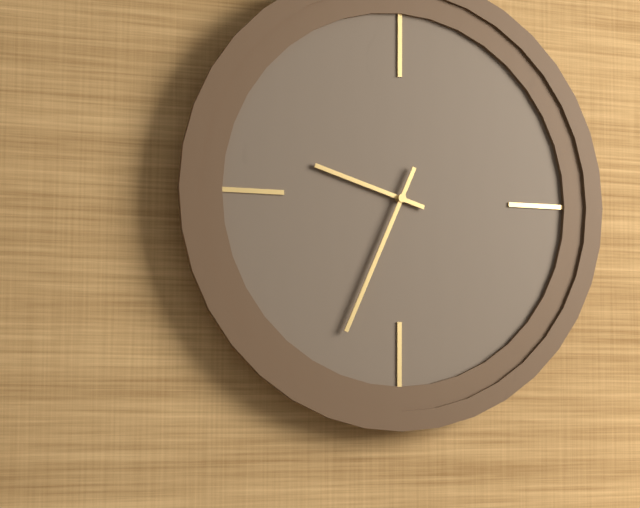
9:34
